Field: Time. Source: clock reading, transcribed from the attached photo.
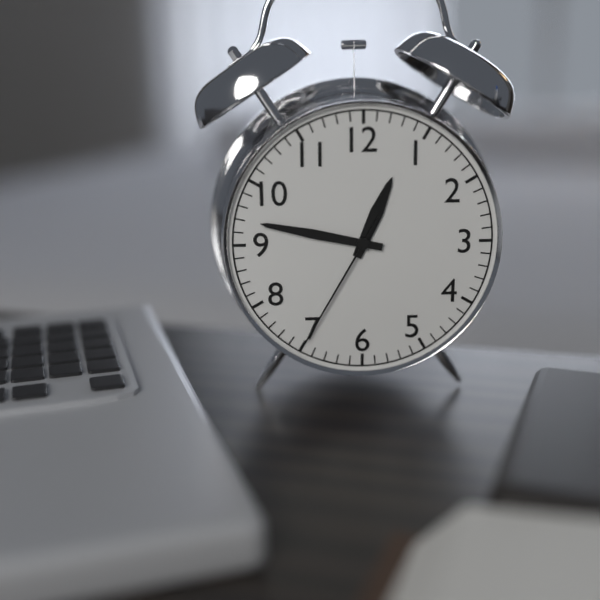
12:47:35
